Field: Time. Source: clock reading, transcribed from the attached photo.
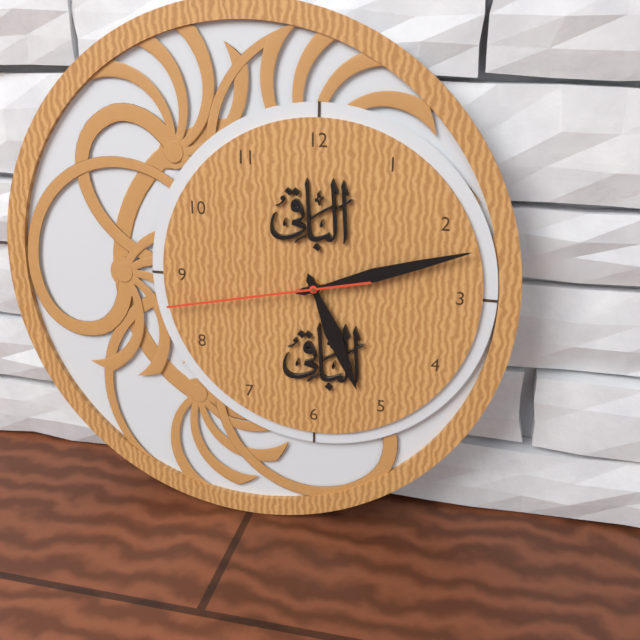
5:12:43
